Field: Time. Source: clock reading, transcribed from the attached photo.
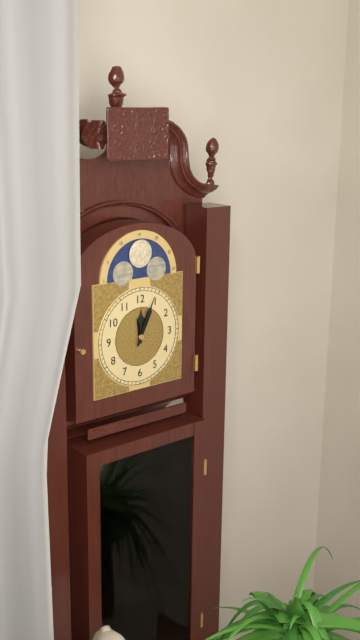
12:04
